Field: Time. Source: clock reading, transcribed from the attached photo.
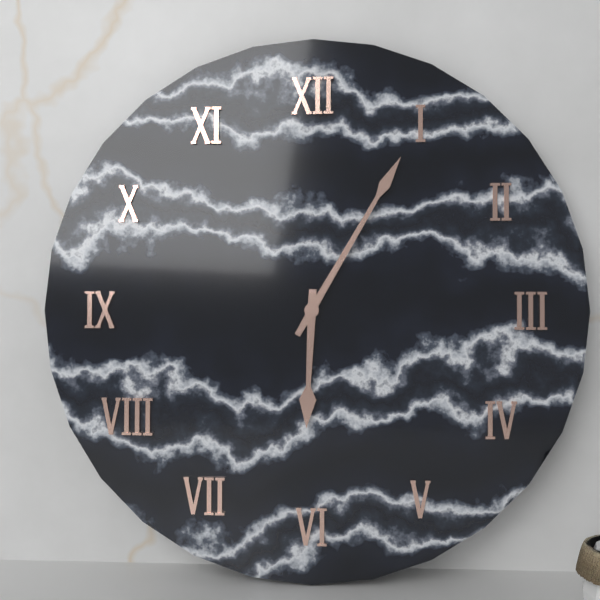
6:05
